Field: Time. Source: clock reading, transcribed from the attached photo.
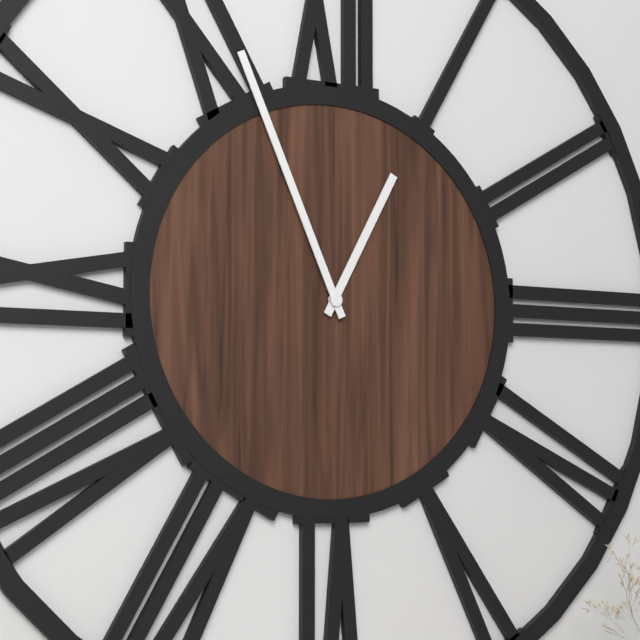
12:56
